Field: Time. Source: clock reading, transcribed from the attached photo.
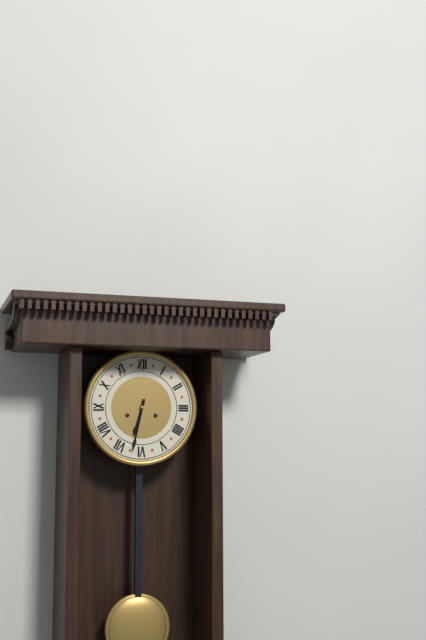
6:32
